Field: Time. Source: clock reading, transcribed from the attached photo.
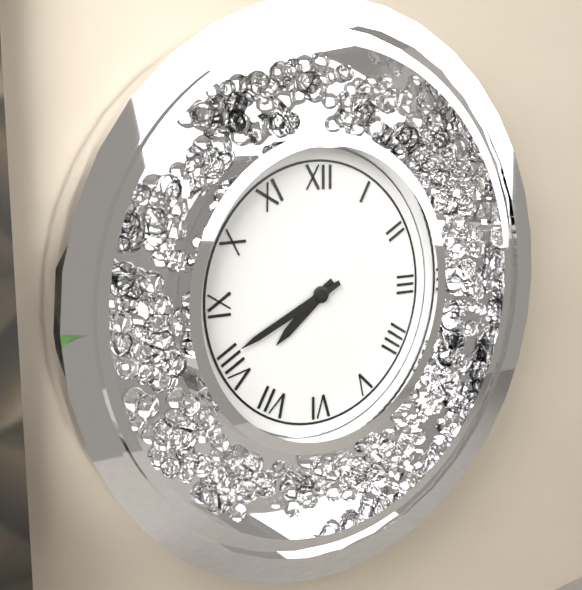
7:41
